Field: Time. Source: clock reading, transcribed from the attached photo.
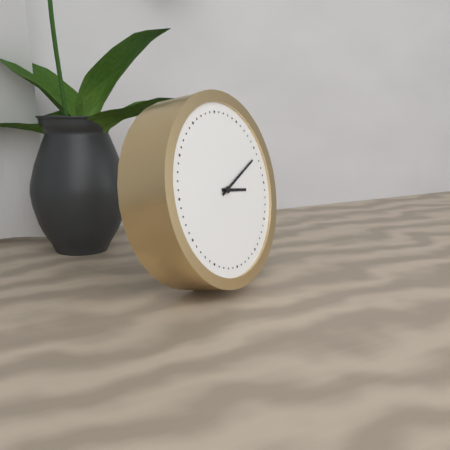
3:11
